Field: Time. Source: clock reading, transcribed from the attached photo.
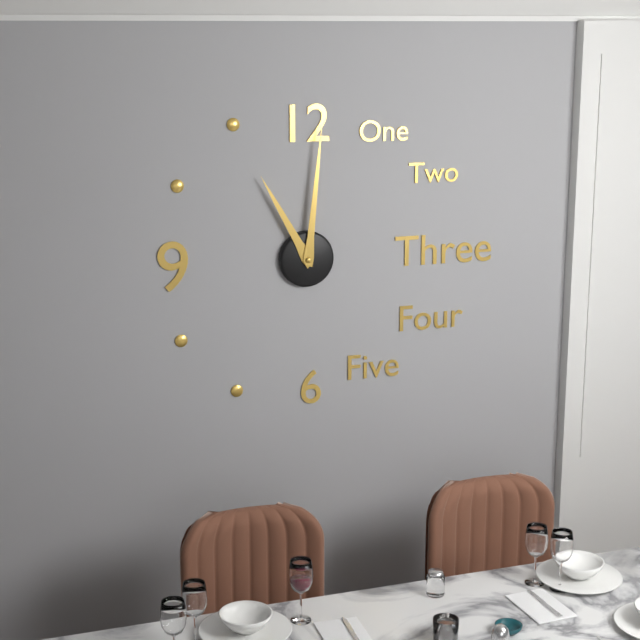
11:01
